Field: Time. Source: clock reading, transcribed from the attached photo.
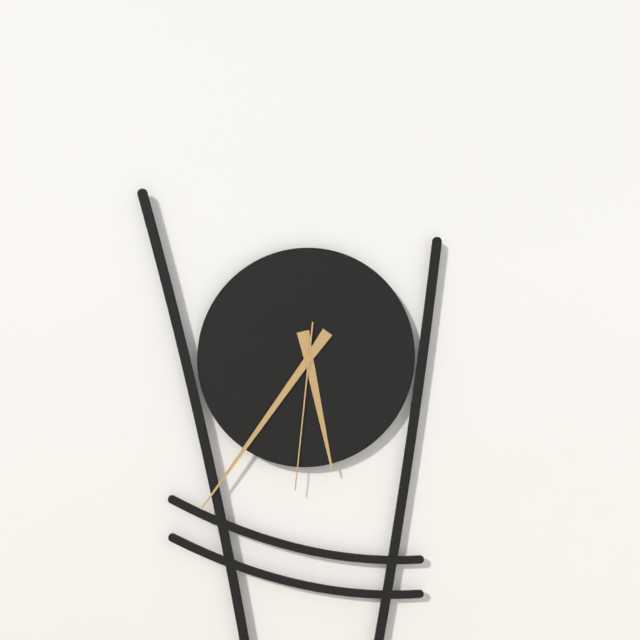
5:36:31
